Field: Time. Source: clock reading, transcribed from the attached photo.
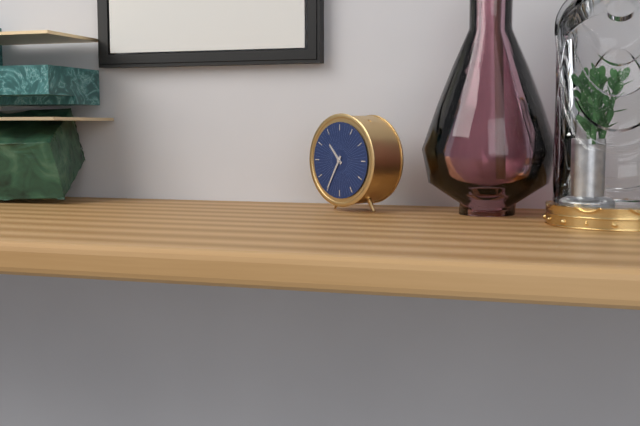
10:35
